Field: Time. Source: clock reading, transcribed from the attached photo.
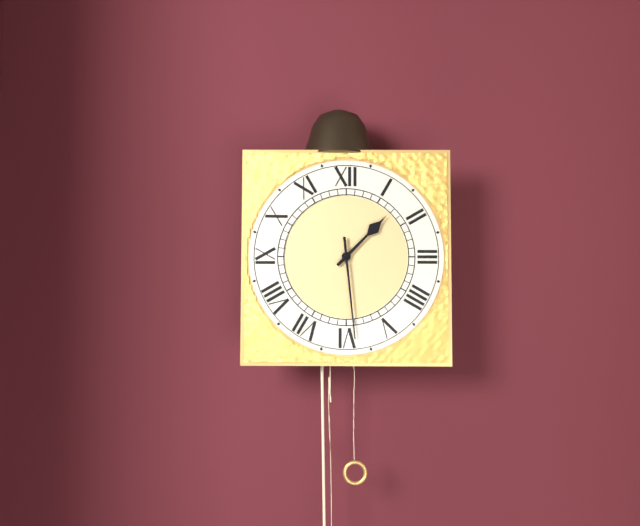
1:29
